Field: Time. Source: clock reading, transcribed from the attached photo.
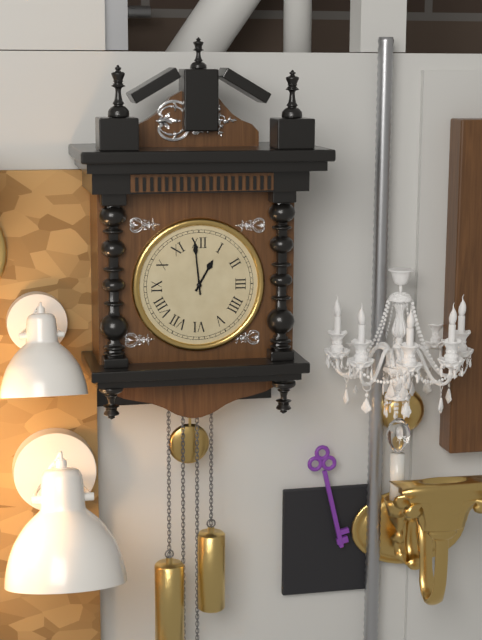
12:59
